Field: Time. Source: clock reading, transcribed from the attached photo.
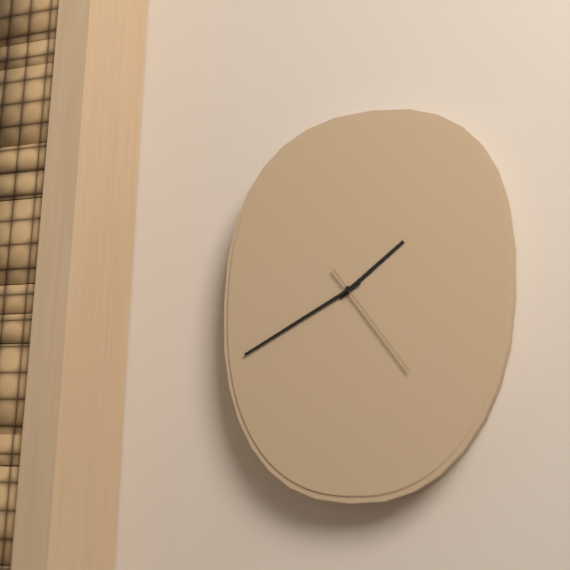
1:40:24
